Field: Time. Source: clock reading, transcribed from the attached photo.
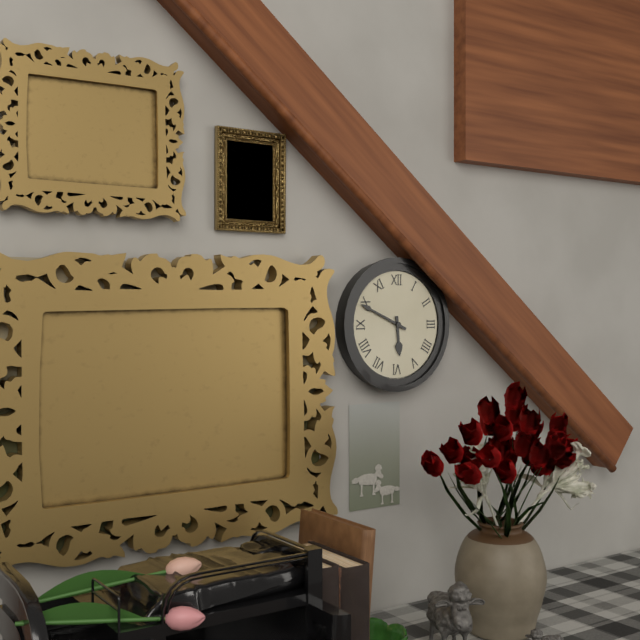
5:49
